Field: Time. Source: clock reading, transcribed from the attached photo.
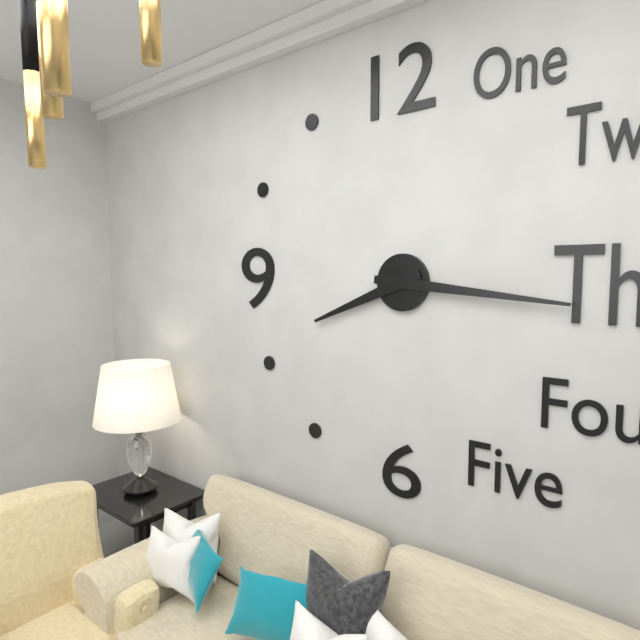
8:16
